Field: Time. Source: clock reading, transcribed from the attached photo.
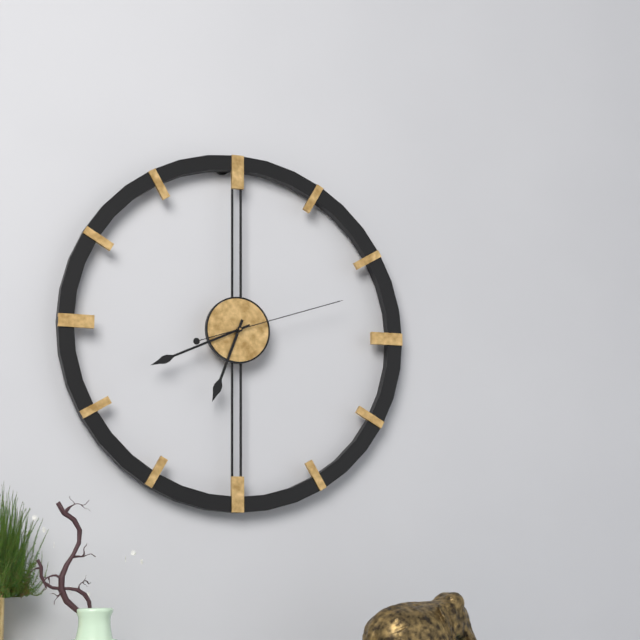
6:41:12
